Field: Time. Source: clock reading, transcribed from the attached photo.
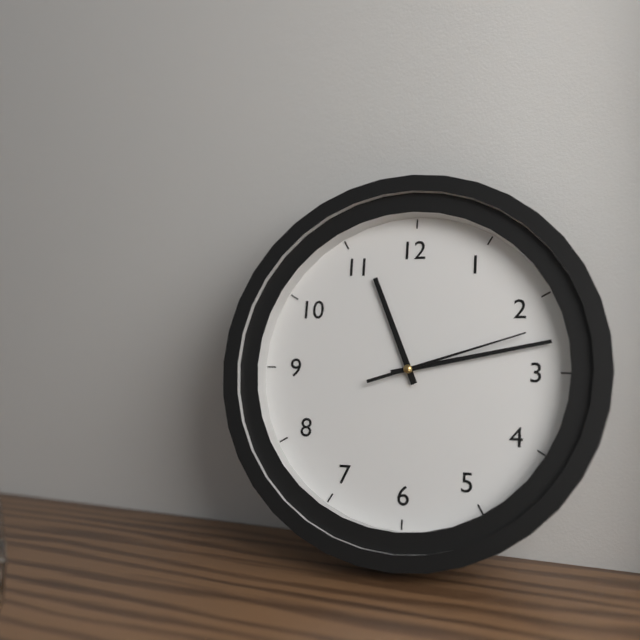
11:13:12
